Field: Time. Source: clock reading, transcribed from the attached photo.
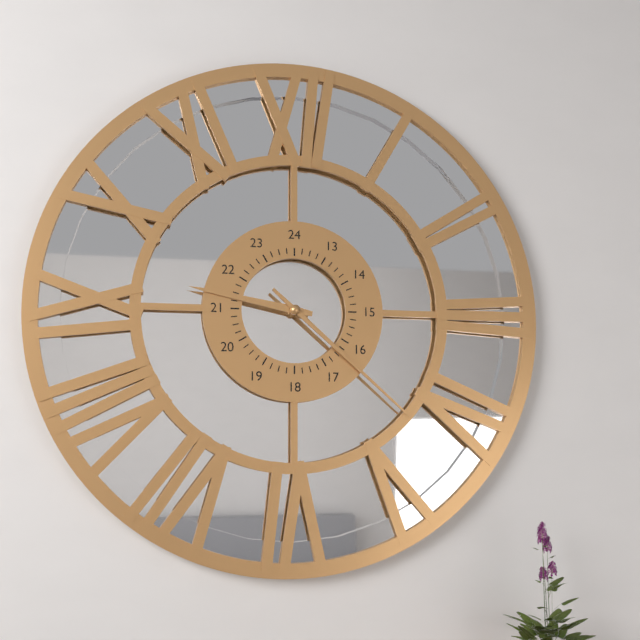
9:22
